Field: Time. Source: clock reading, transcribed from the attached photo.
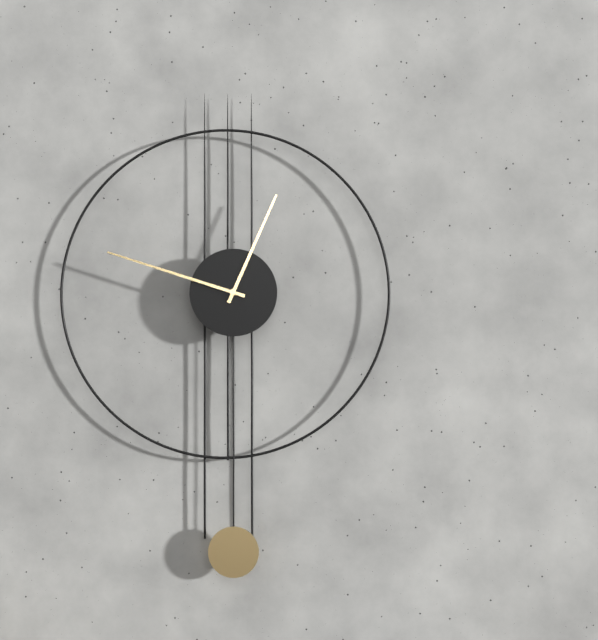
12:48
